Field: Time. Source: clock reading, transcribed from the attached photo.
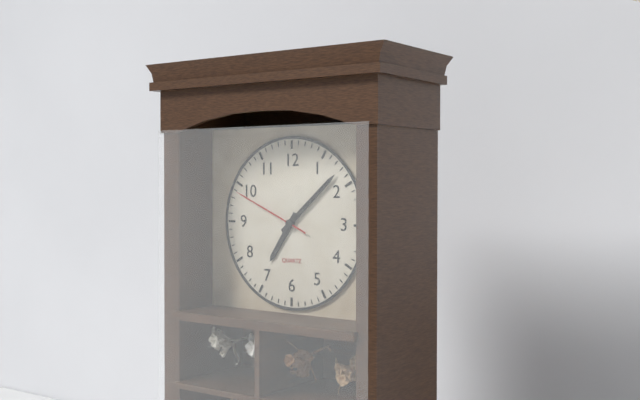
7:08:49
